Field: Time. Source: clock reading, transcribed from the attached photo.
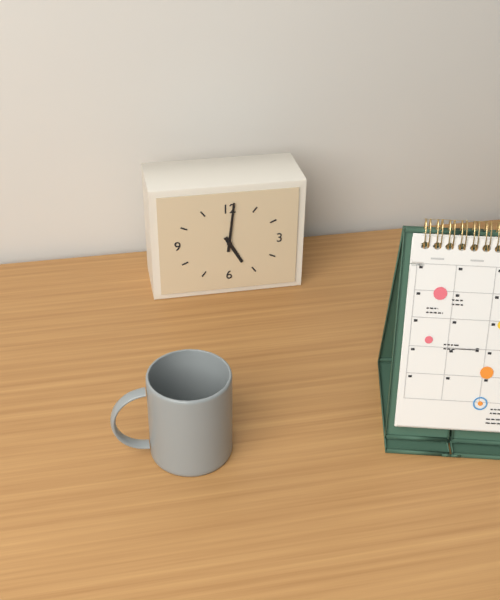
5:01
